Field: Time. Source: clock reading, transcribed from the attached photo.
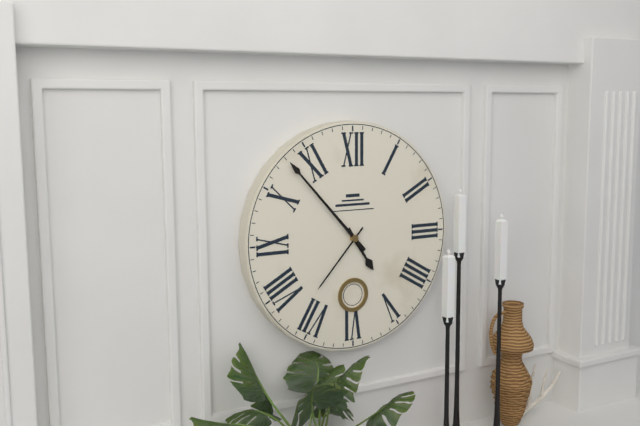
4:53:37
